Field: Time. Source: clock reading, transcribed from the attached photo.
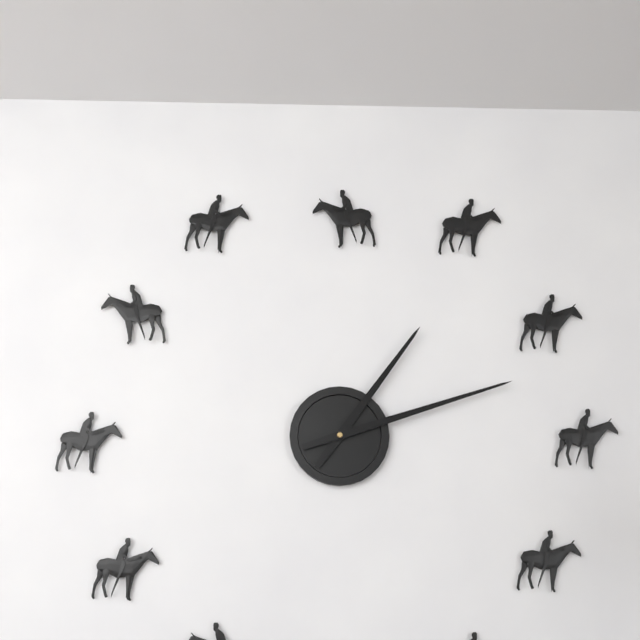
1:12
